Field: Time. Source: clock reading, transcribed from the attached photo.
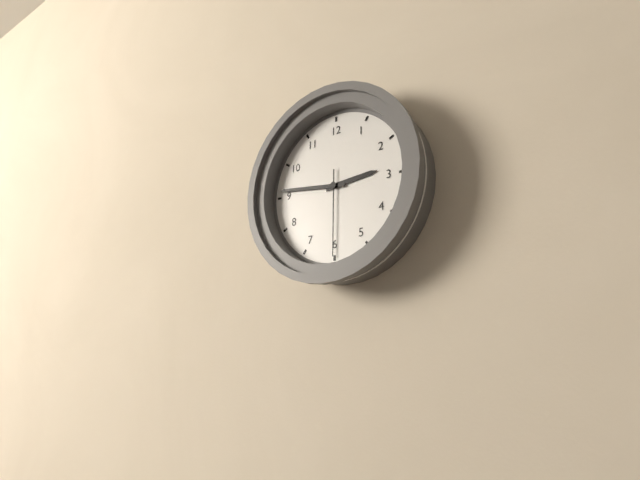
2:46:30
